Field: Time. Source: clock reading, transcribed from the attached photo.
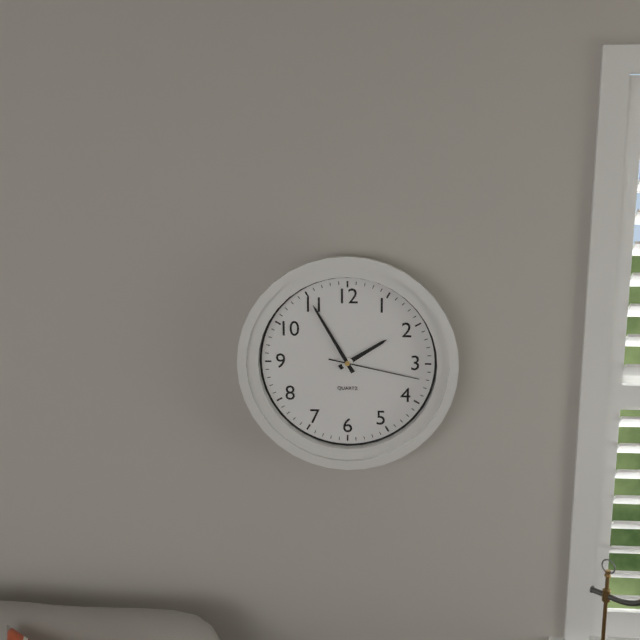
1:55:17
